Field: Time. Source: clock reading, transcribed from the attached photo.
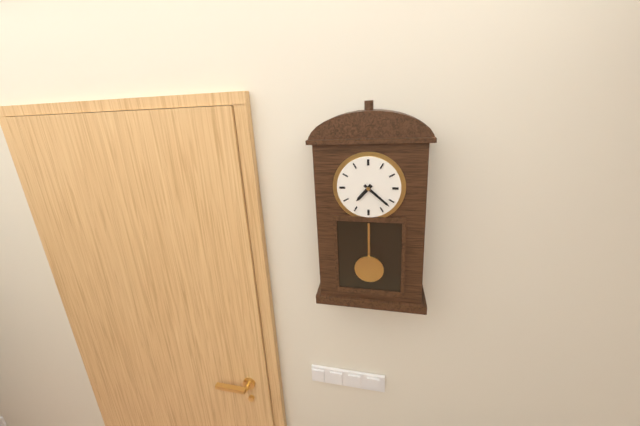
7:22
